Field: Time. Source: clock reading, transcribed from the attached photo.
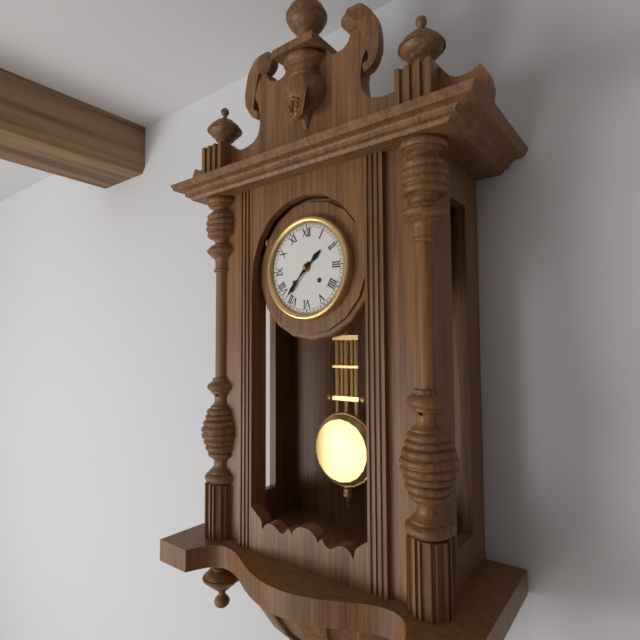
1:37
